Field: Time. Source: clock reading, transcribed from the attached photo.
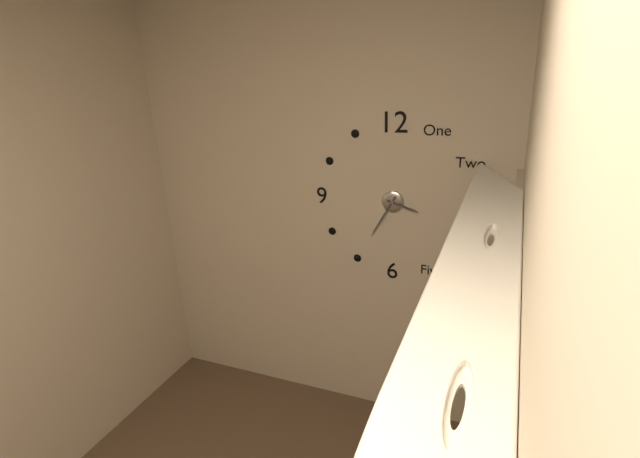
3:35
